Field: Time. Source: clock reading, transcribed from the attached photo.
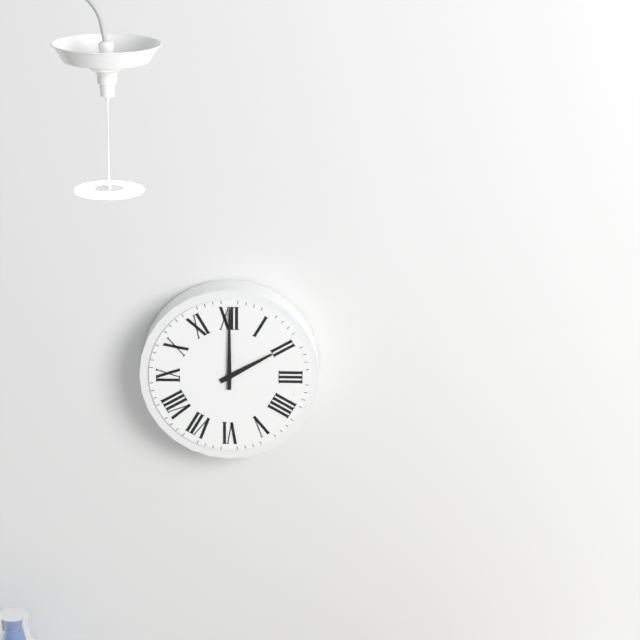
2:00
